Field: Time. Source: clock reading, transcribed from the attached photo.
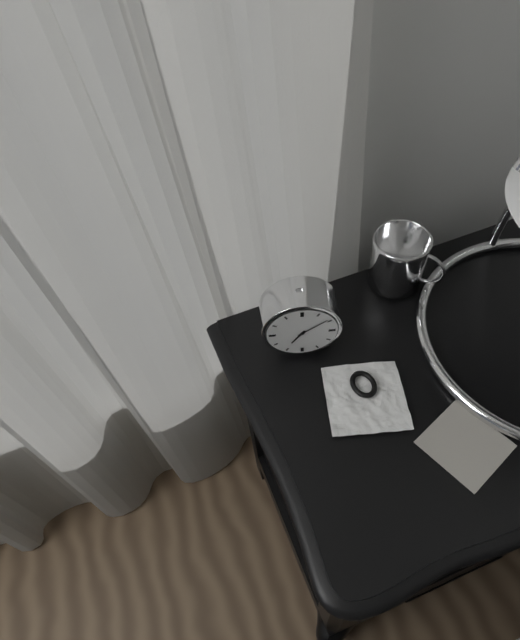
7:09
